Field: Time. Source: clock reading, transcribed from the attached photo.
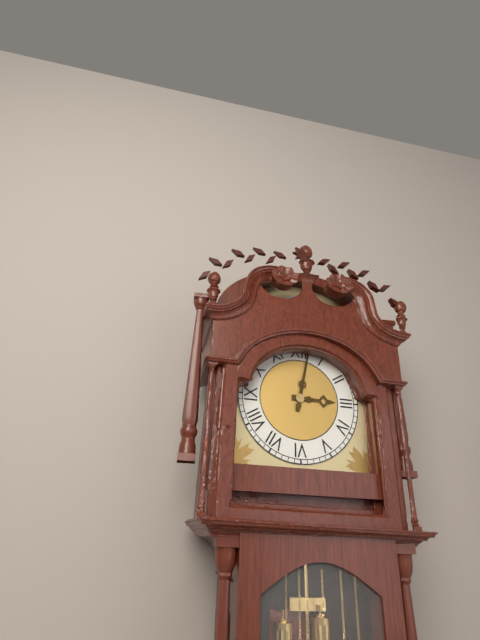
3:02
